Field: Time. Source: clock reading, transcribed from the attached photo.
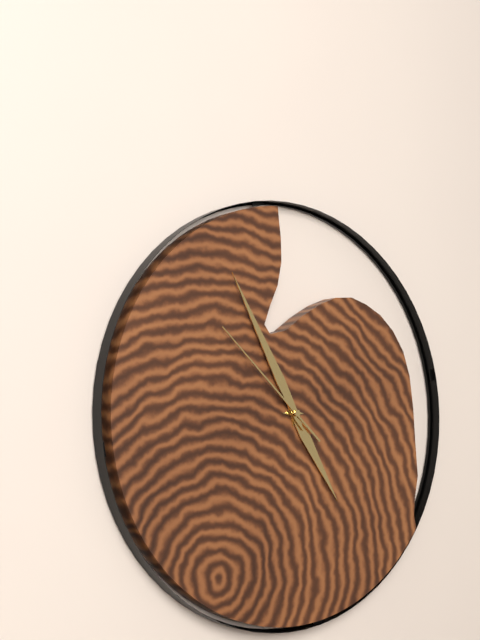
4:55:52
